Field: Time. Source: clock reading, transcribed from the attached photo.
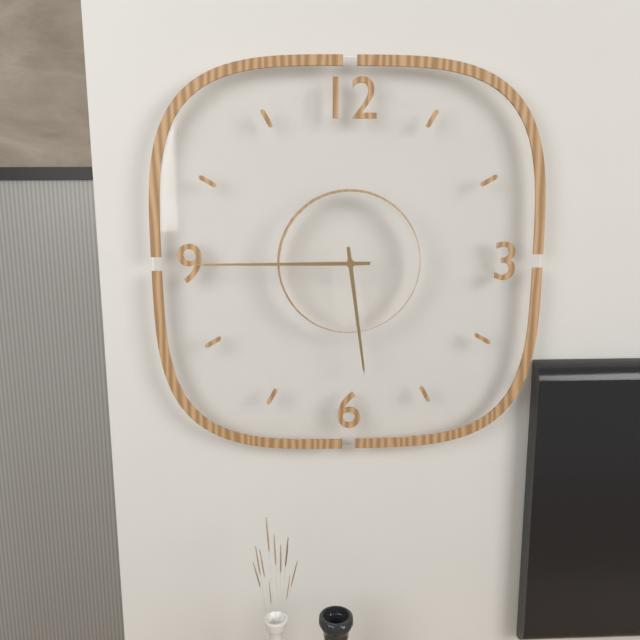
5:45
